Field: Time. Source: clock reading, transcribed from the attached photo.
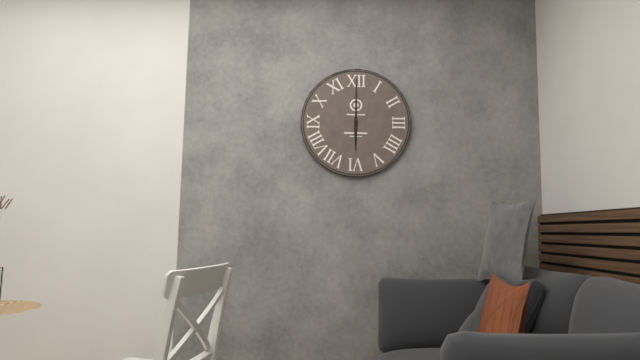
6:00
